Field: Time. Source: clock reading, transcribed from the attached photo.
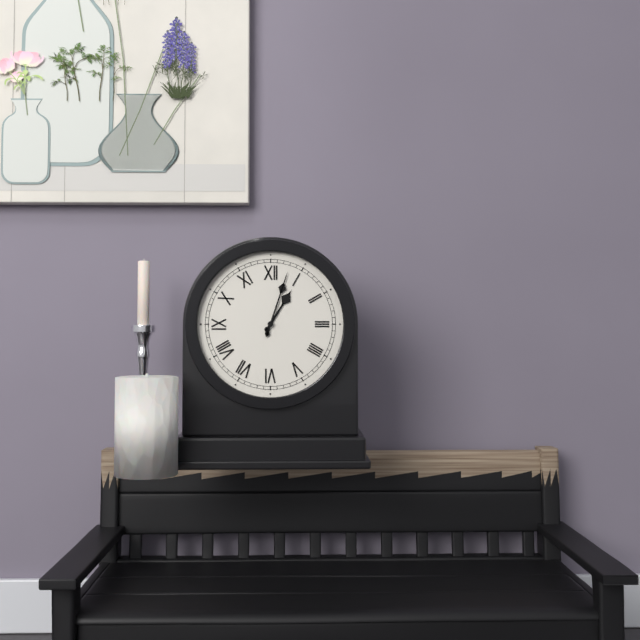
1:03
